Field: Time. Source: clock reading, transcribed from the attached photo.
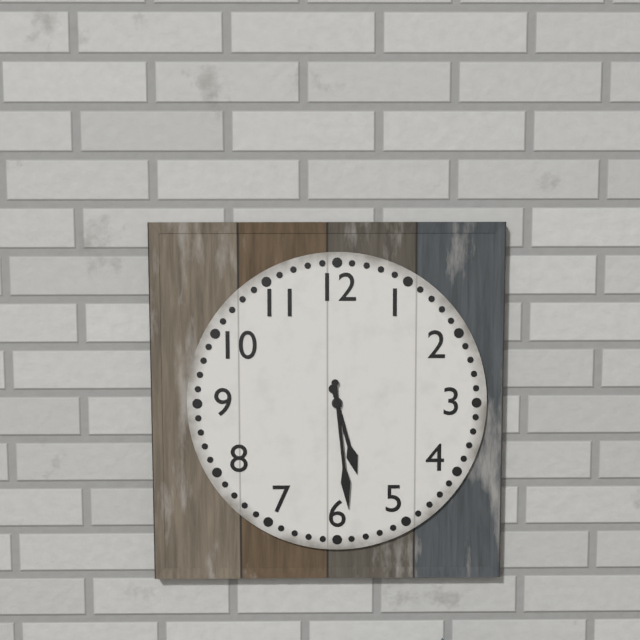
5:29
